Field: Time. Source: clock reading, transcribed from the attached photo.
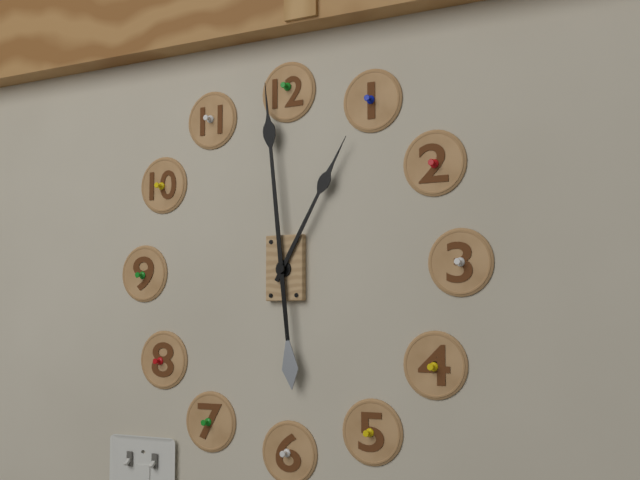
12:59
